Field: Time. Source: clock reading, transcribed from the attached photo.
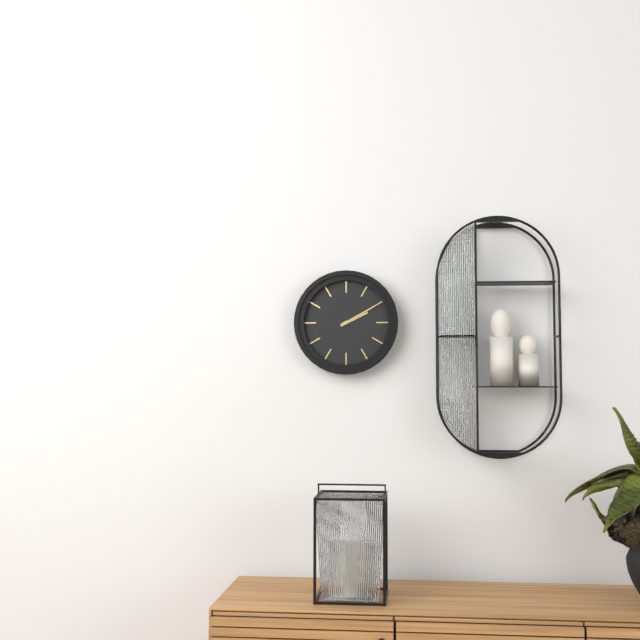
2:10
